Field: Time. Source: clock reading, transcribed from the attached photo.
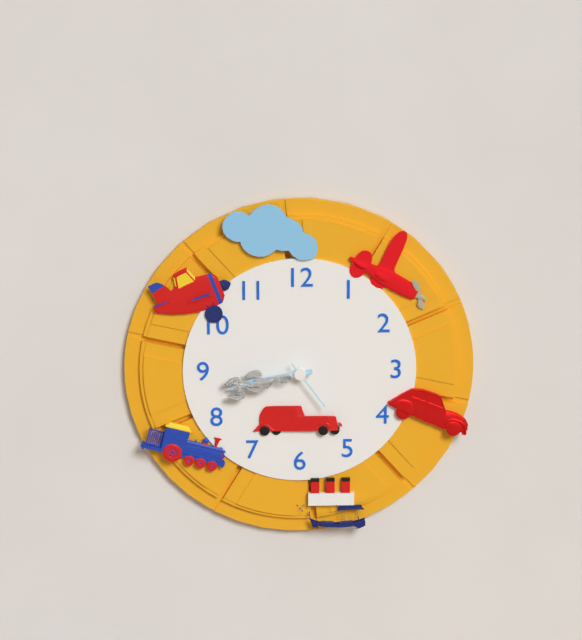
8:43:24
